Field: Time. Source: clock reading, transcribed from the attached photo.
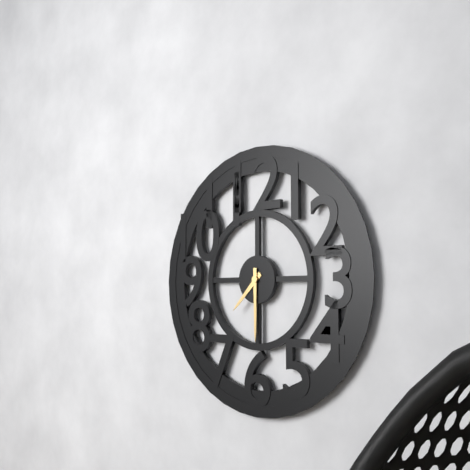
7:30
